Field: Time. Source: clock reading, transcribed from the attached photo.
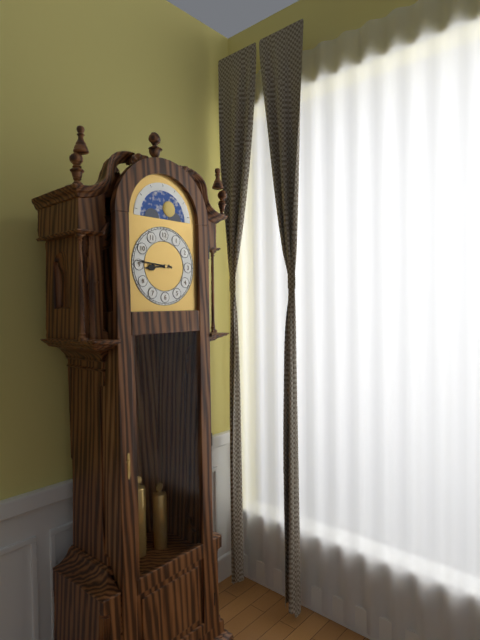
8:46
